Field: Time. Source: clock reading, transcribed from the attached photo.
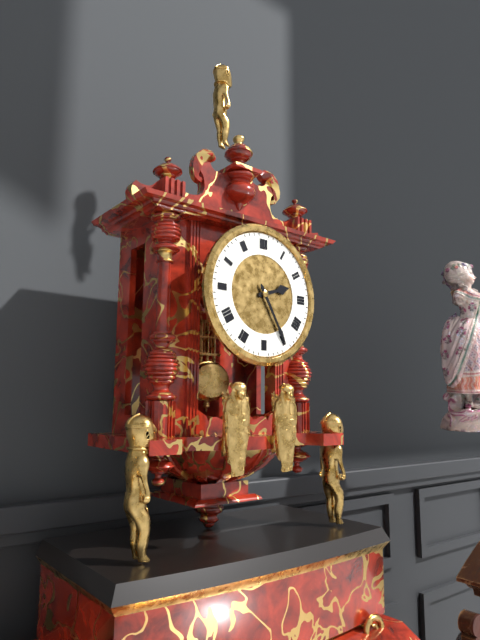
2:25
